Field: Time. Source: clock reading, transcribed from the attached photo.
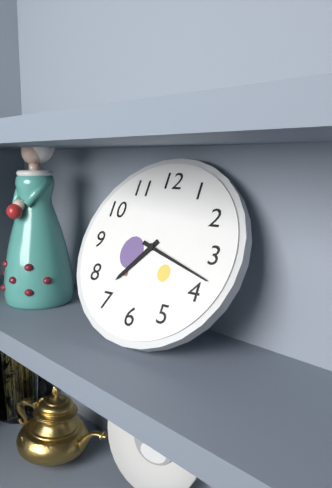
7:18
